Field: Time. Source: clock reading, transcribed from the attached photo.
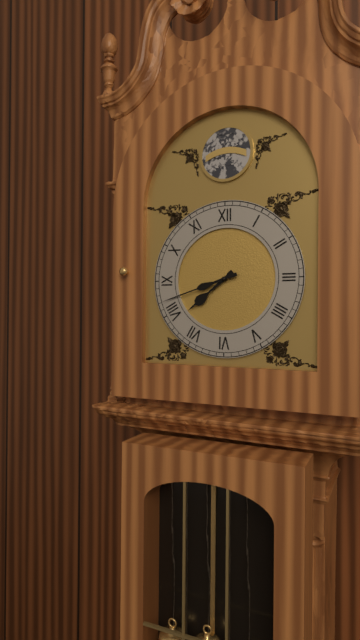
7:42
